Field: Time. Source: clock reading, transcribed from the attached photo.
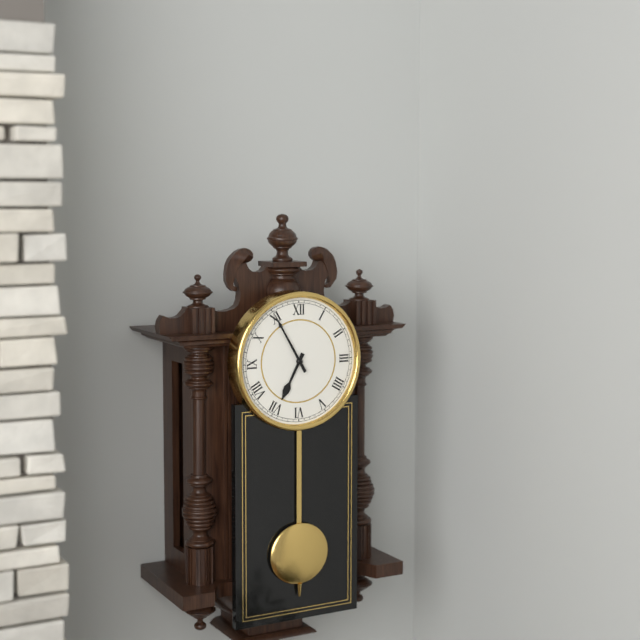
6:55
